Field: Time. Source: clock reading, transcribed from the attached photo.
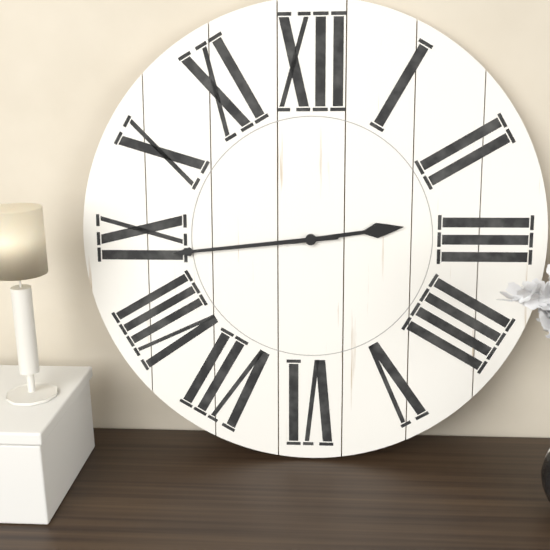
2:44
